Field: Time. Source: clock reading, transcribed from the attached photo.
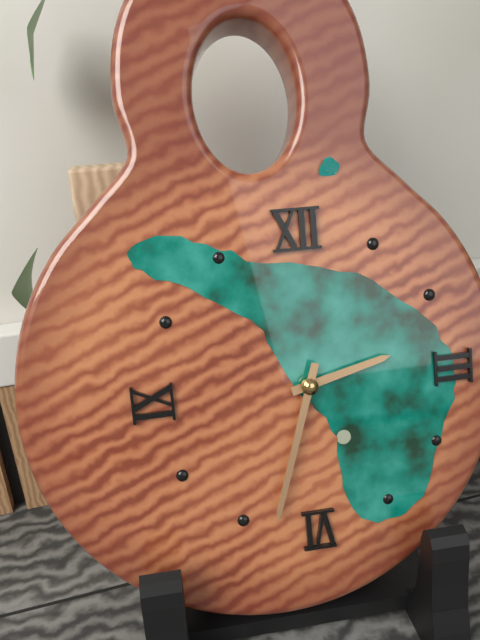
2:33
